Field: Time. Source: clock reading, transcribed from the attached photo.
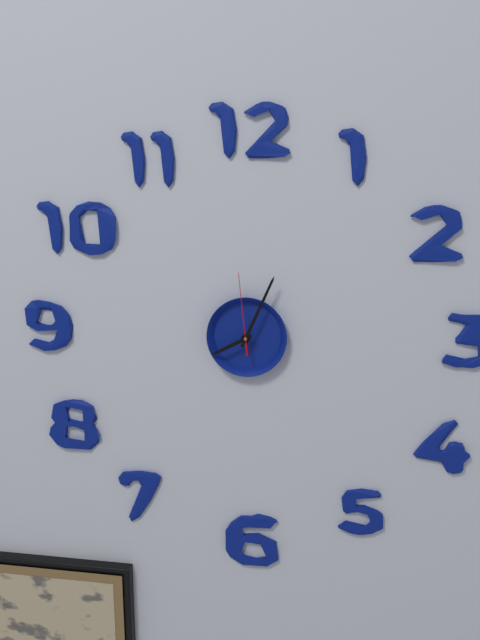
8:04:59
